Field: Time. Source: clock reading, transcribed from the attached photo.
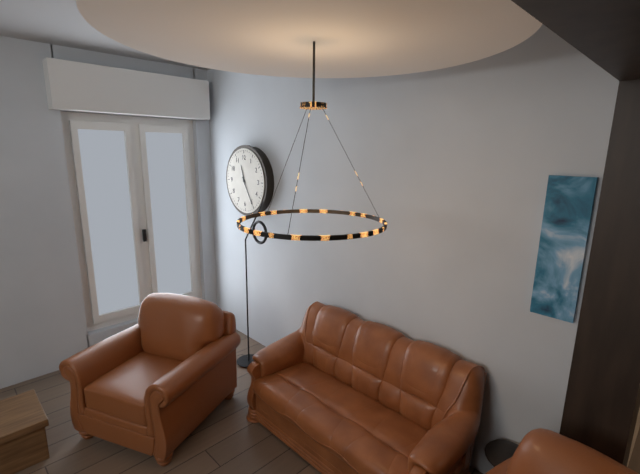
11:25
